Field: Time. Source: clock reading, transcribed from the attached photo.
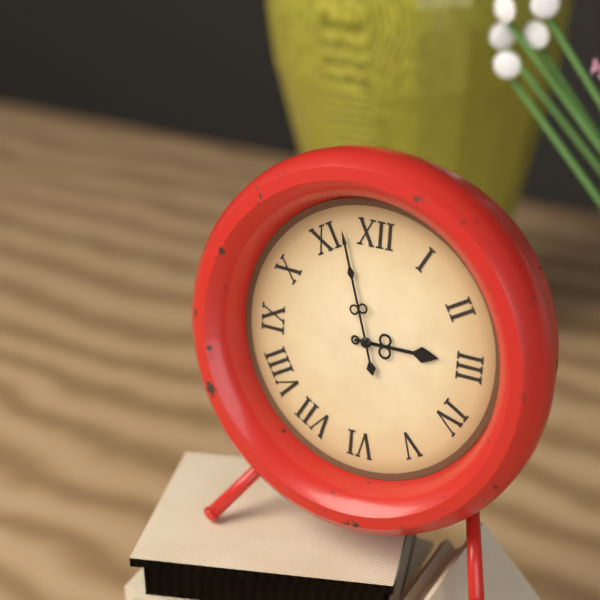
2:57
